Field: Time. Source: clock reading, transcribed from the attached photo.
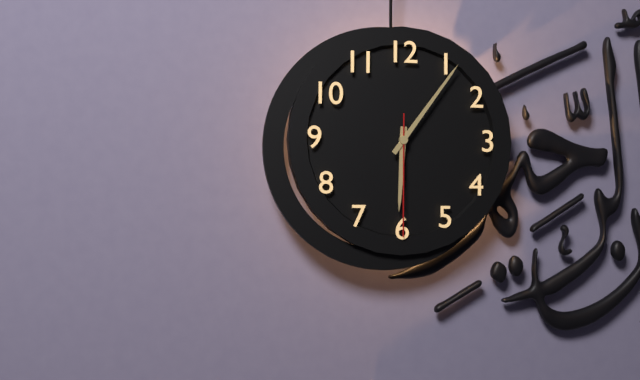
6:06:30
